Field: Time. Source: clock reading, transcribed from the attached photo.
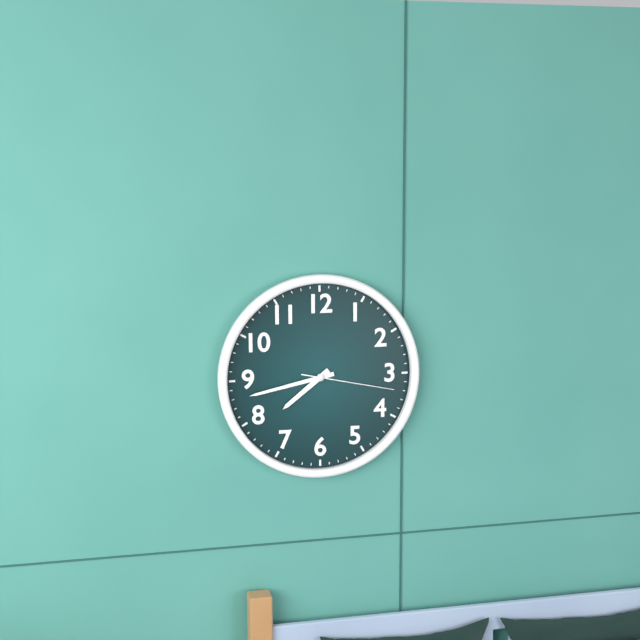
7:43:17
